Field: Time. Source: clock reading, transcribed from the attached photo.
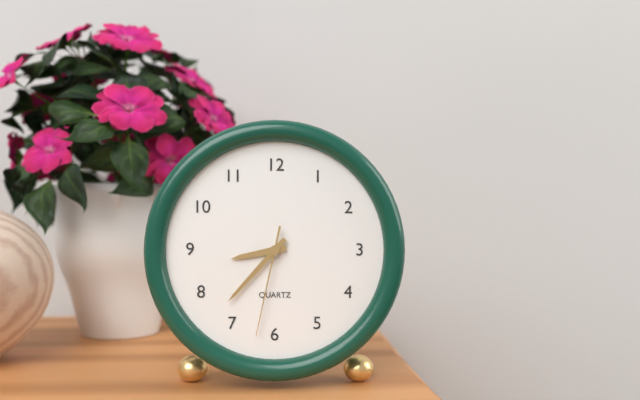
8:37:32
